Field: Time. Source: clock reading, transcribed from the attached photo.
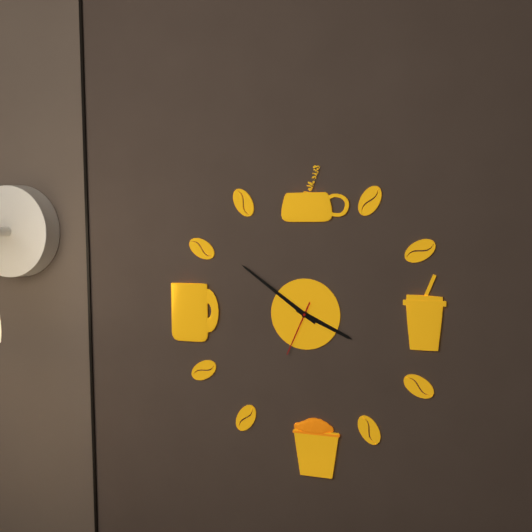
3:51:34
